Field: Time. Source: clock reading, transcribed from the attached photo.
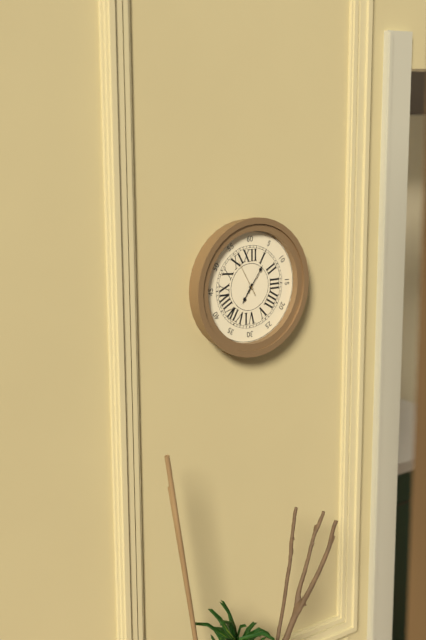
7:06
